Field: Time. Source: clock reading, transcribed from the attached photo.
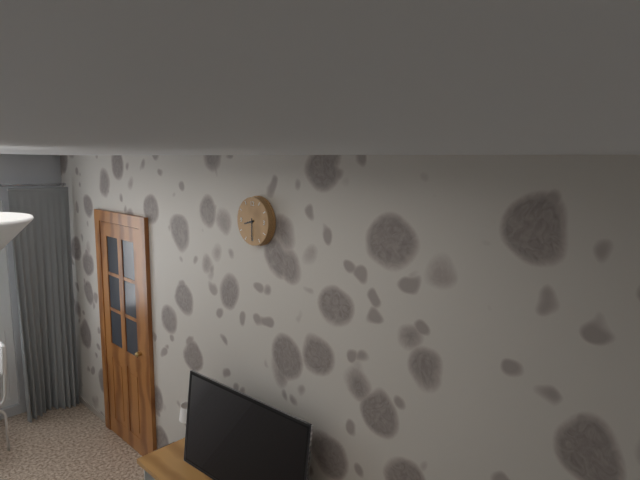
8:30
